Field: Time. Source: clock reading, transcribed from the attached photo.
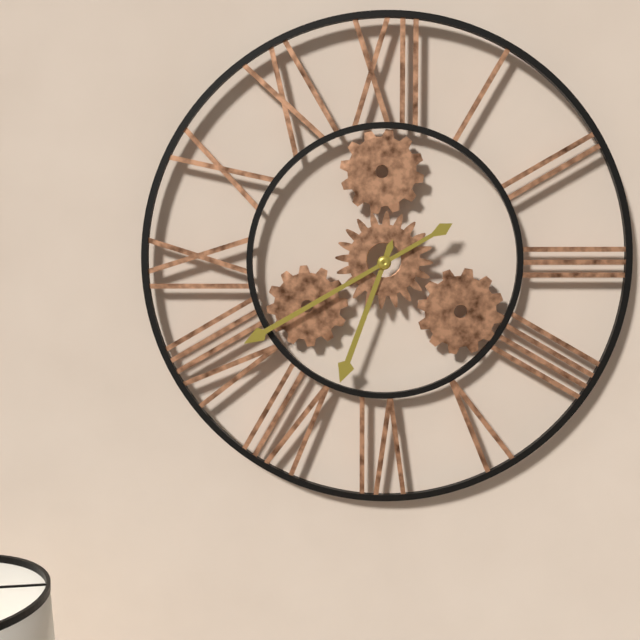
6:40
